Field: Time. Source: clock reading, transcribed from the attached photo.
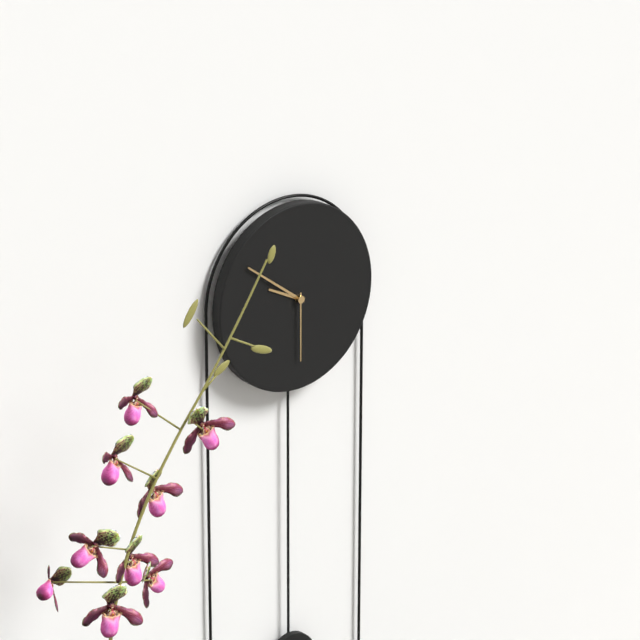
9:51:30
